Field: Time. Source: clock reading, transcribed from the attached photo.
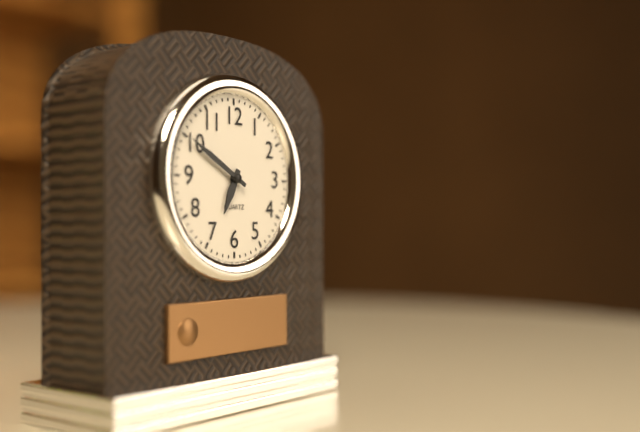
6:50
